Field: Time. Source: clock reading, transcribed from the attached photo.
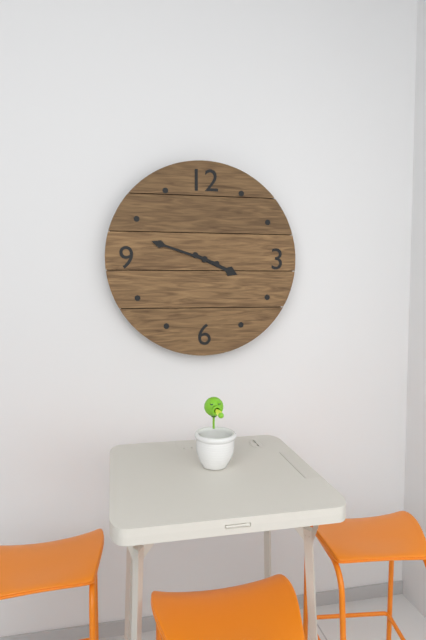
3:48
